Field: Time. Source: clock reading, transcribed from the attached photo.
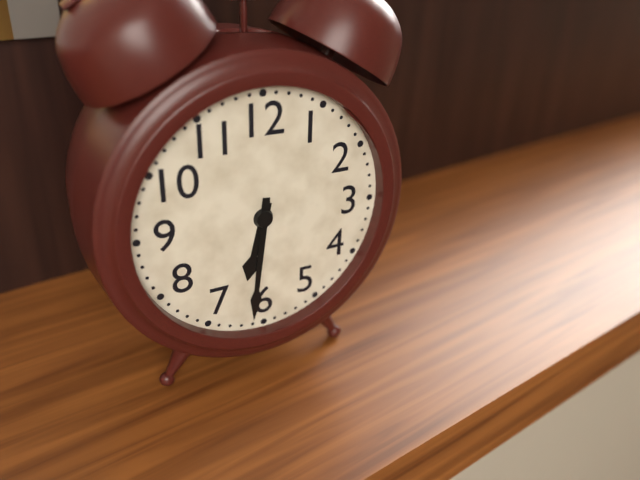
6:31
